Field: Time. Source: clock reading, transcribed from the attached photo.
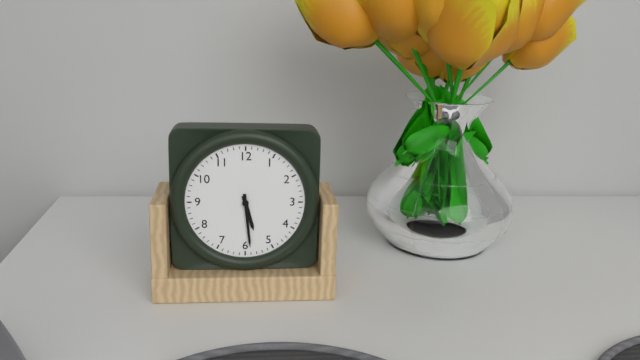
5:29
